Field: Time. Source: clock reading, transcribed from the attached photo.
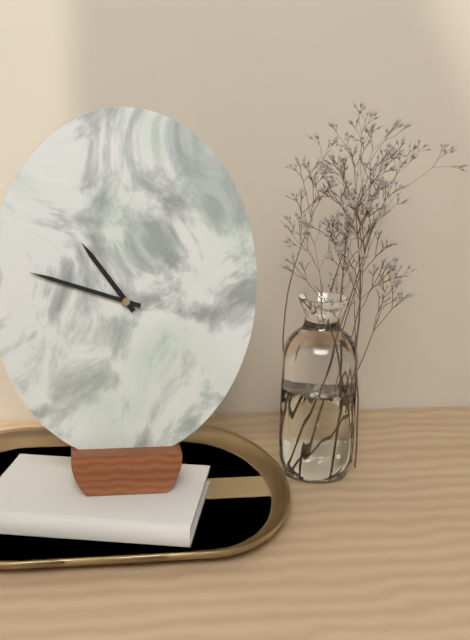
10:48
